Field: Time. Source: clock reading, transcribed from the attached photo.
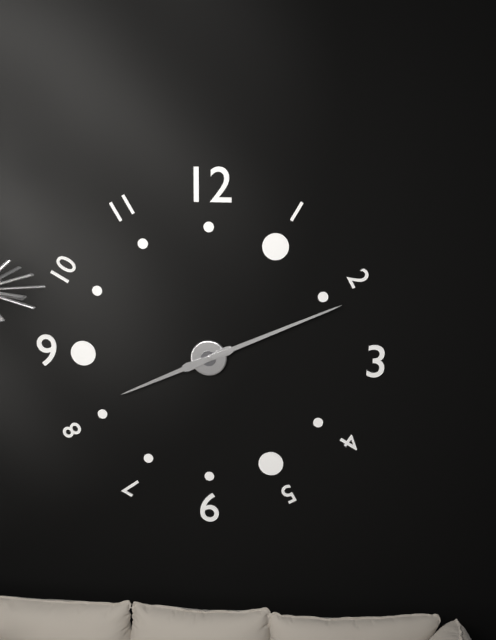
8:11
